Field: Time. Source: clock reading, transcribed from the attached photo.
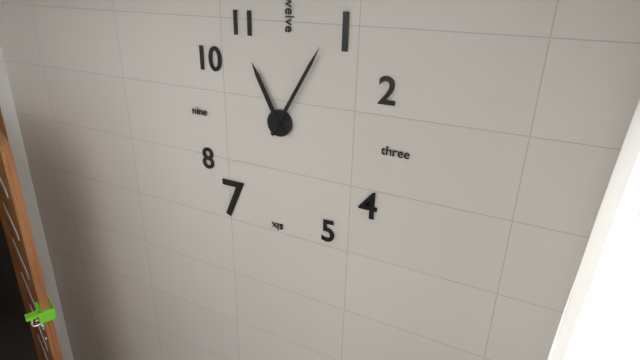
11:05
